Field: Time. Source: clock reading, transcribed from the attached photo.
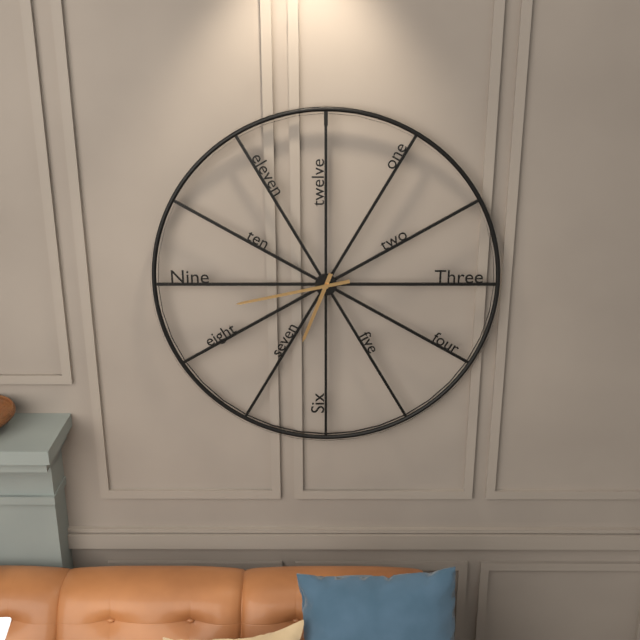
6:43
